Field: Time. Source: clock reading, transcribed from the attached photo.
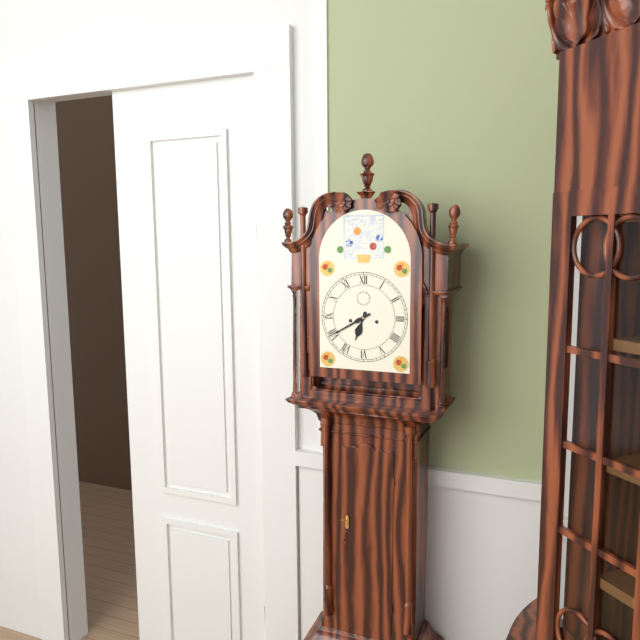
6:40
